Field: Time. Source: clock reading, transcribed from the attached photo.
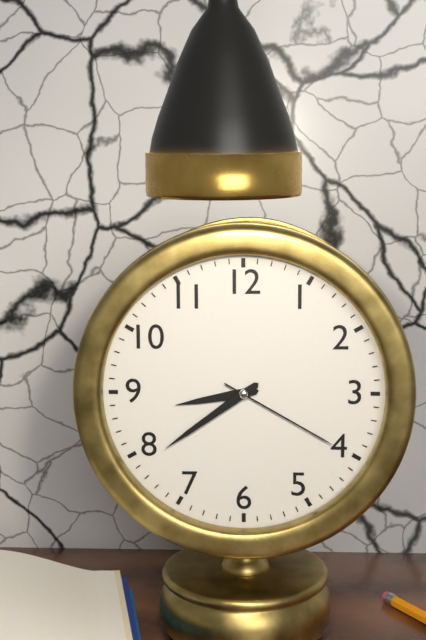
8:39:20
